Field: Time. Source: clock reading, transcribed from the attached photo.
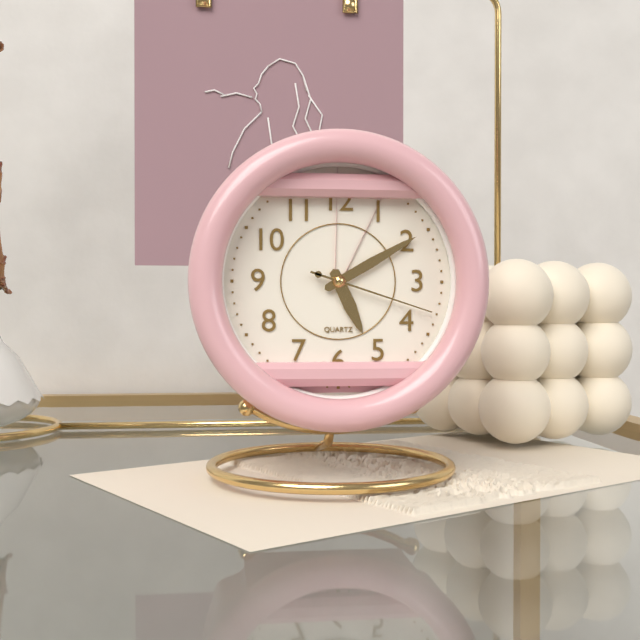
5:10:18
